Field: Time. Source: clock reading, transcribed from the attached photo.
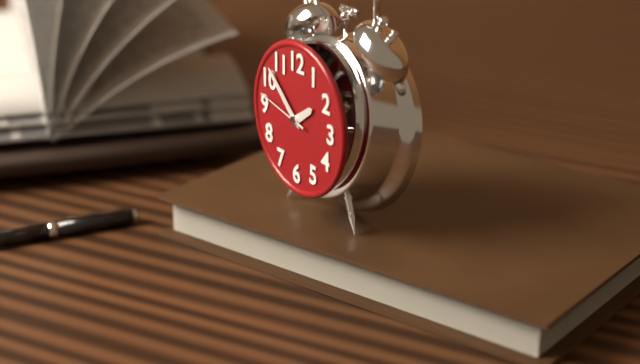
1:52:47
